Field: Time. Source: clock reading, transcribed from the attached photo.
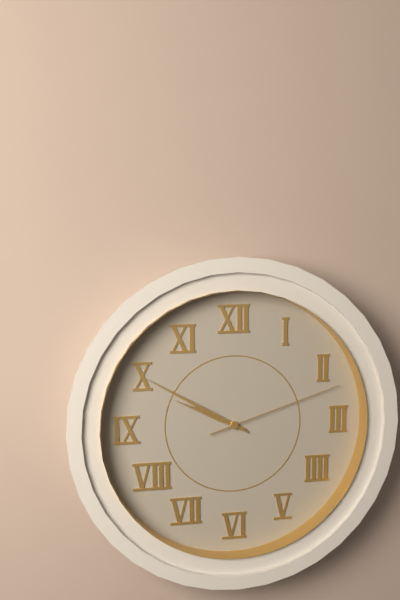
9:50:12
